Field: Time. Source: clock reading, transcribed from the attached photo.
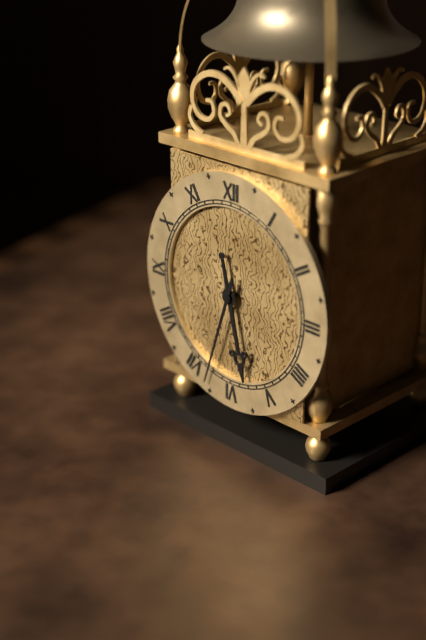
5:33
